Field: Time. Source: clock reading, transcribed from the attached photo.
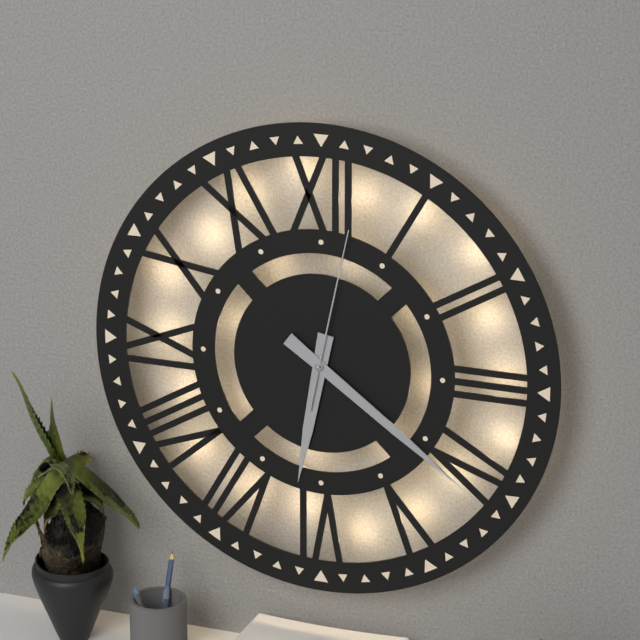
6:21:02
